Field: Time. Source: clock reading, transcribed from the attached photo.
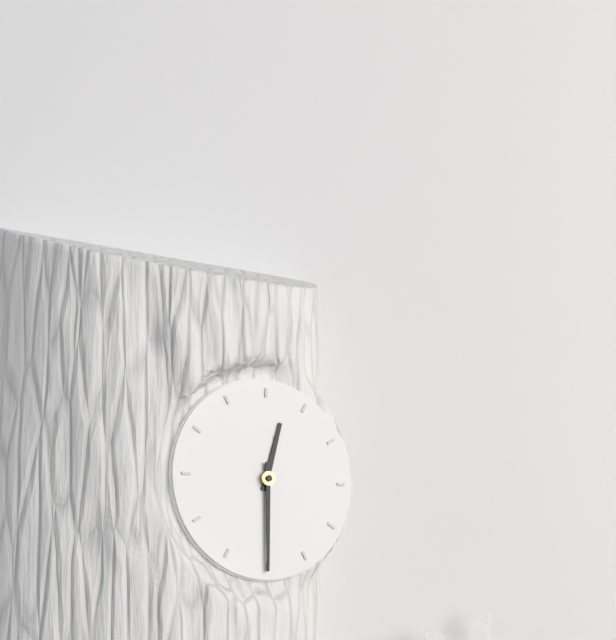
12:30
